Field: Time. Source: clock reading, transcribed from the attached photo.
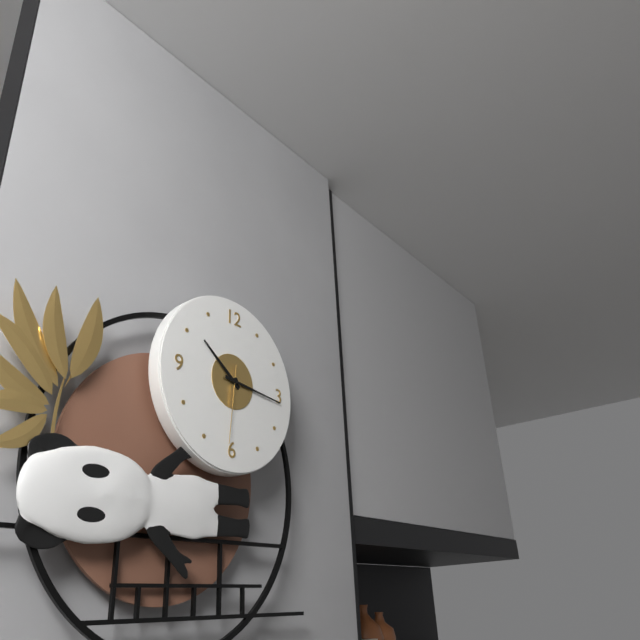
10:16:31
